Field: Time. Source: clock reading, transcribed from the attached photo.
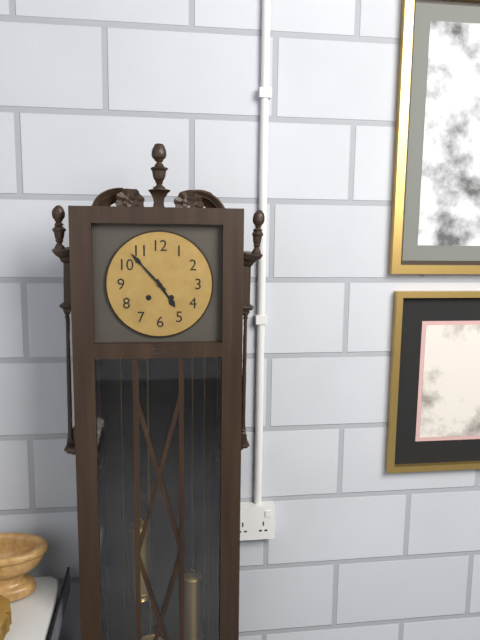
4:53
